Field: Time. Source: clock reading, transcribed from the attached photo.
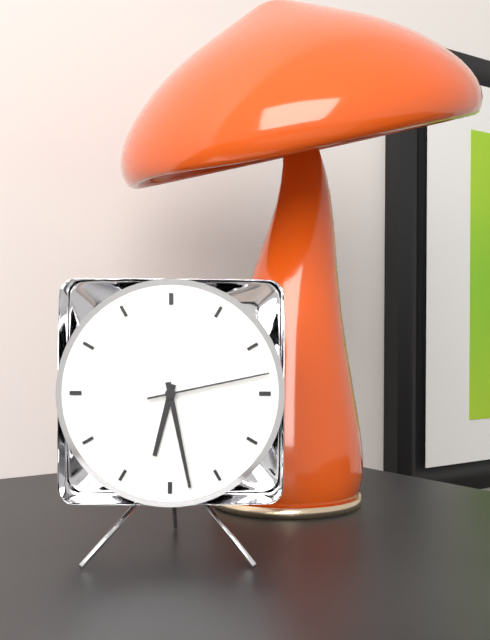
6:28:13
